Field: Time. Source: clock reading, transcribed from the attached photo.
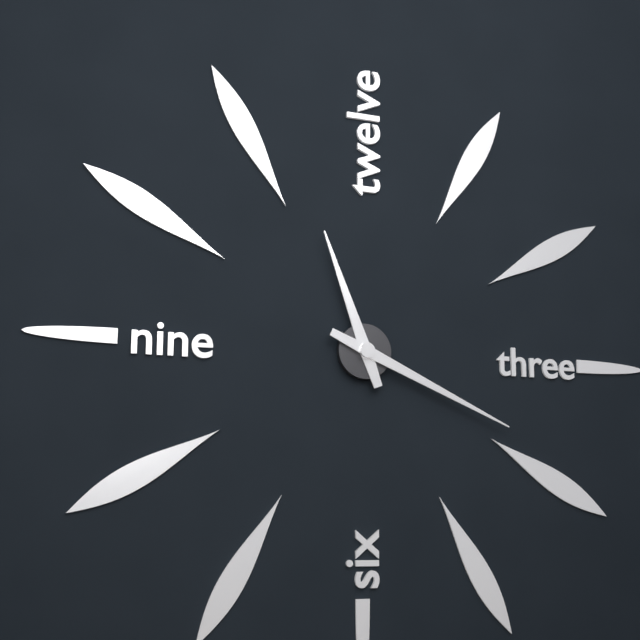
11:19
